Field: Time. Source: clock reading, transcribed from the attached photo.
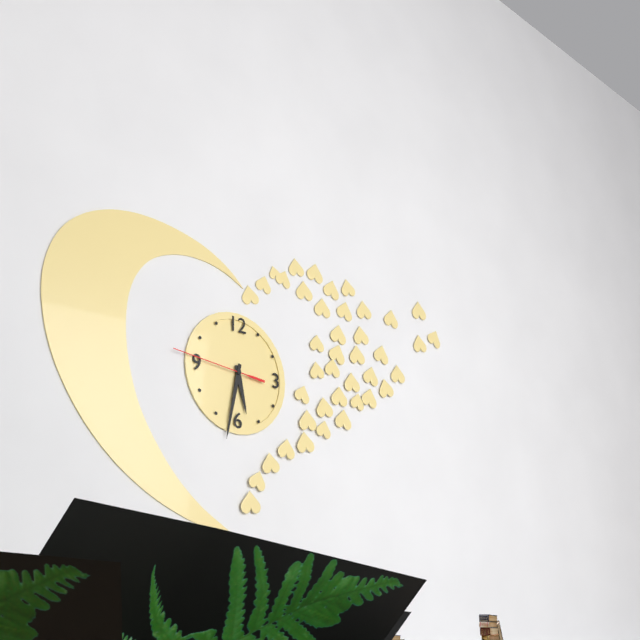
5:32:46
